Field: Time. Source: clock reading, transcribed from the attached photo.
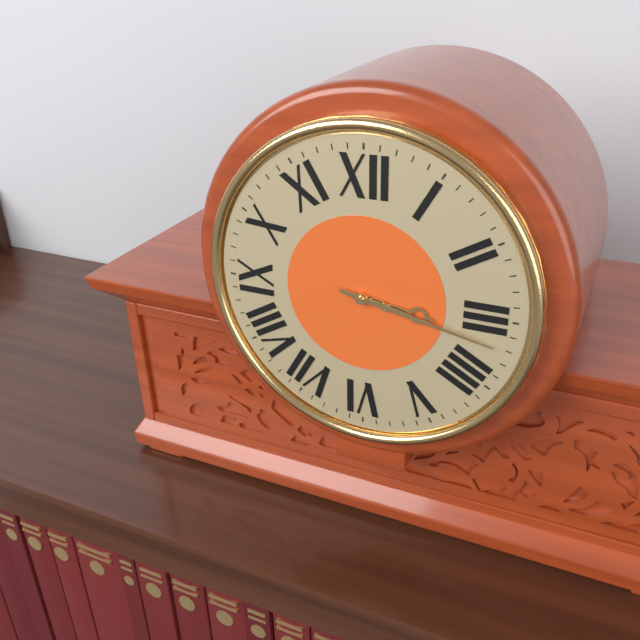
3:17
